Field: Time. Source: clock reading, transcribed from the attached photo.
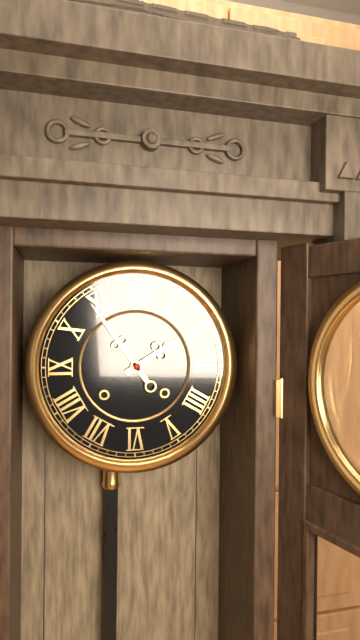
1:54
